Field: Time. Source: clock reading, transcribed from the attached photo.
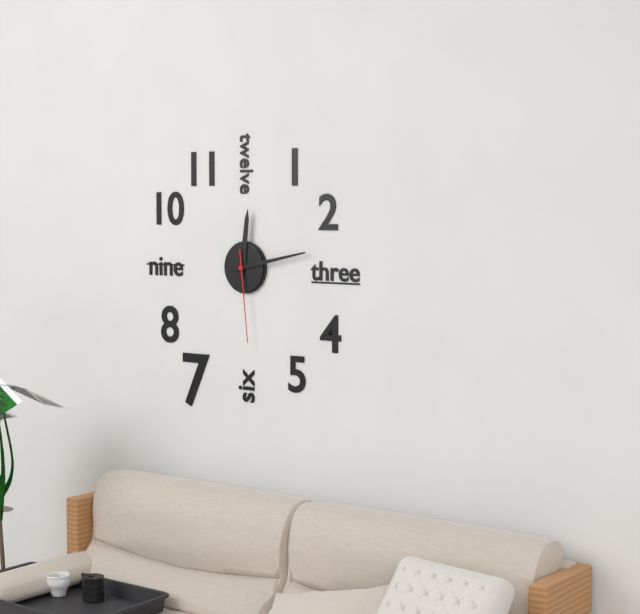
12:13:29
